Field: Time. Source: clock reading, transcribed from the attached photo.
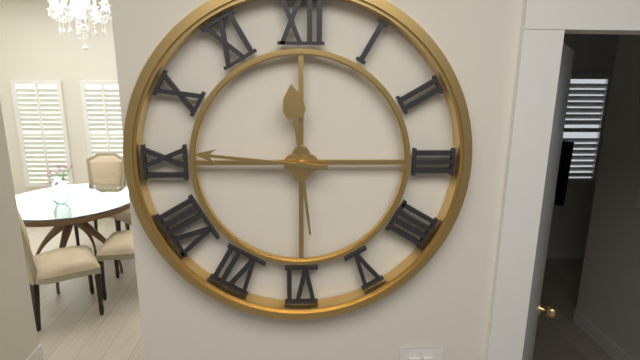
11:46
